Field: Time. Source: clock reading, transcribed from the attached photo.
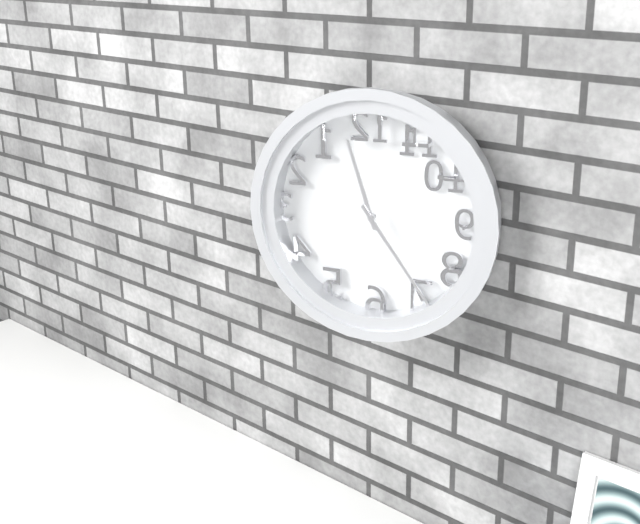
11:24
